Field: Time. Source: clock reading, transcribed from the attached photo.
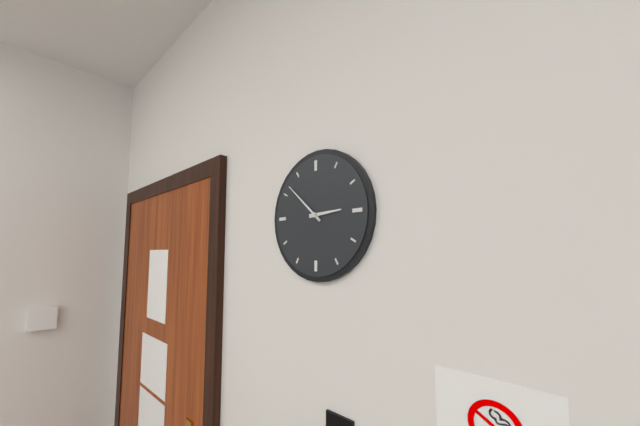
2:52
